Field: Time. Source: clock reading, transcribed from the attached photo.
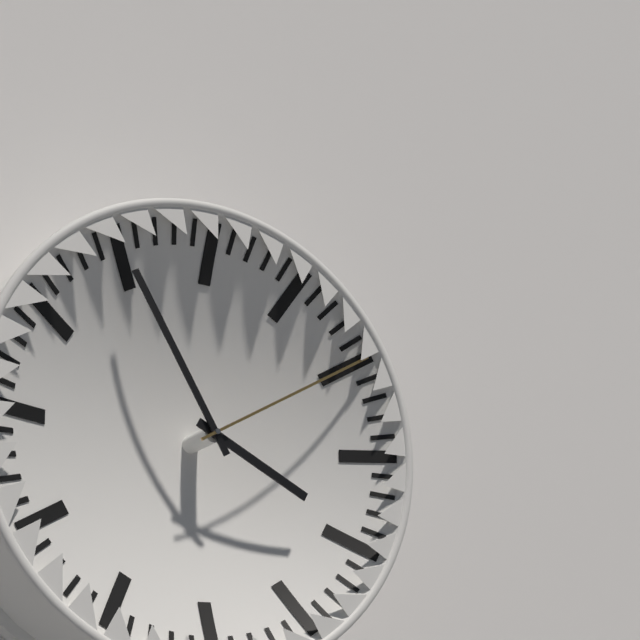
3:55:10
